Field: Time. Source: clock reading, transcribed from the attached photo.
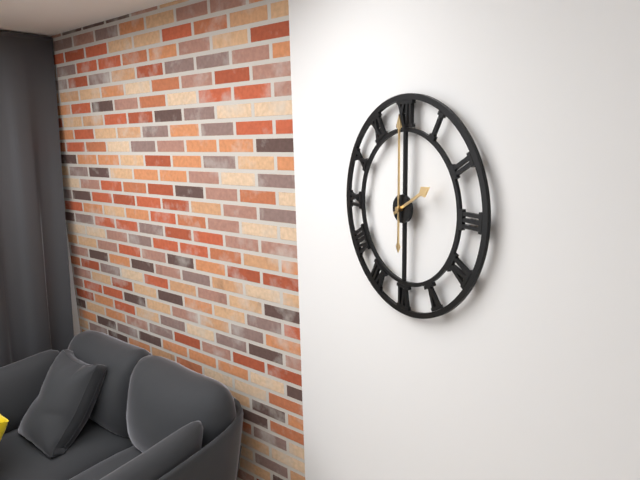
2:00
